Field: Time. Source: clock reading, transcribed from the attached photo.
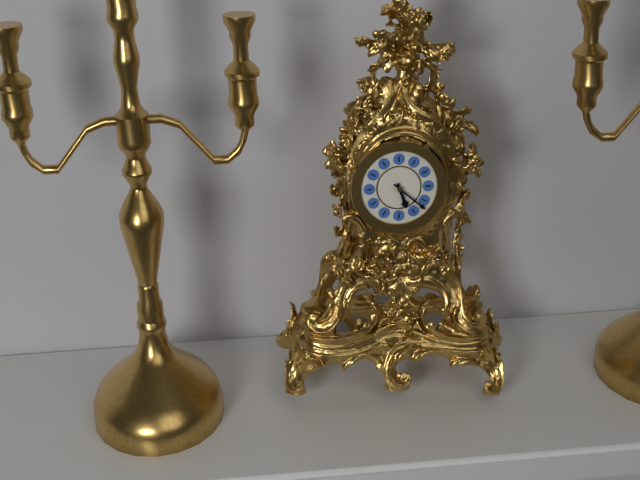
5:22
